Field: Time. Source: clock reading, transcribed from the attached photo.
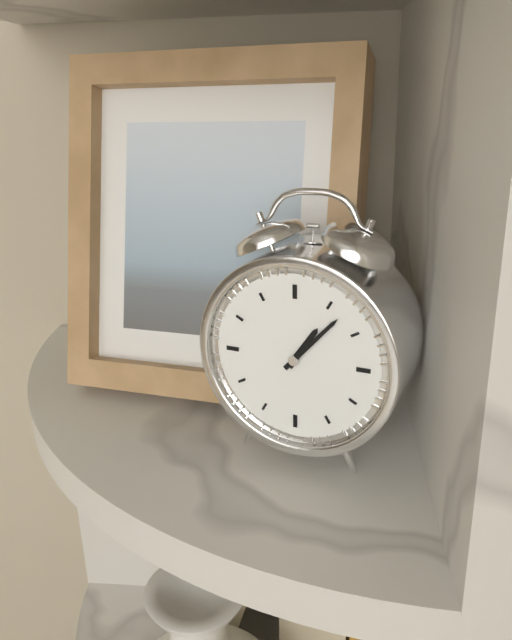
1:07
